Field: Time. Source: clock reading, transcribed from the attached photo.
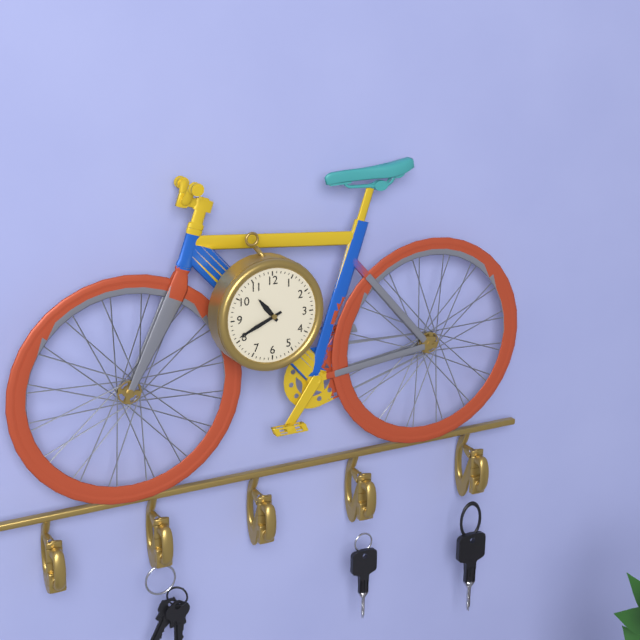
10:41
